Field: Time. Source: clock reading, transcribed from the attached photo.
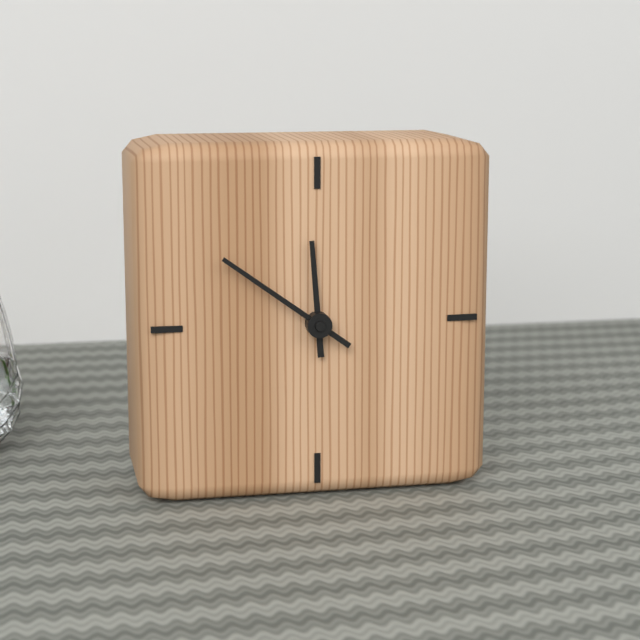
11:51
